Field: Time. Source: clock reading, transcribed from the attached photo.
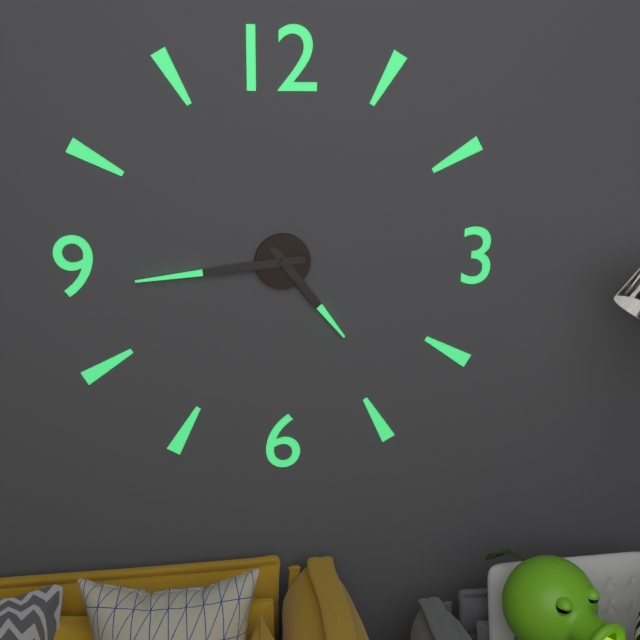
4:44
